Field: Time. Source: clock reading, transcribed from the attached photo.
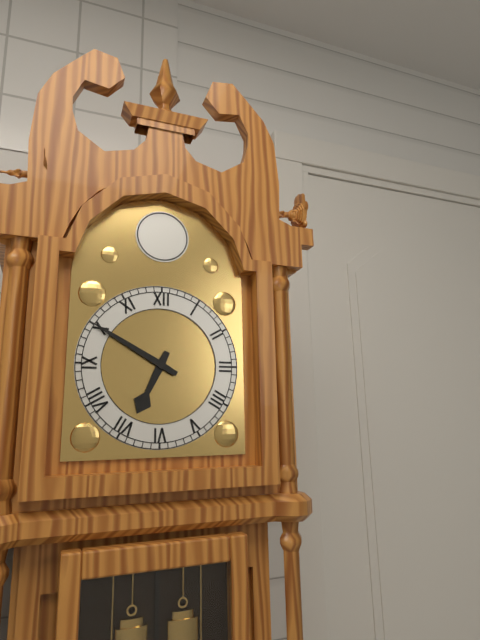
6:50
